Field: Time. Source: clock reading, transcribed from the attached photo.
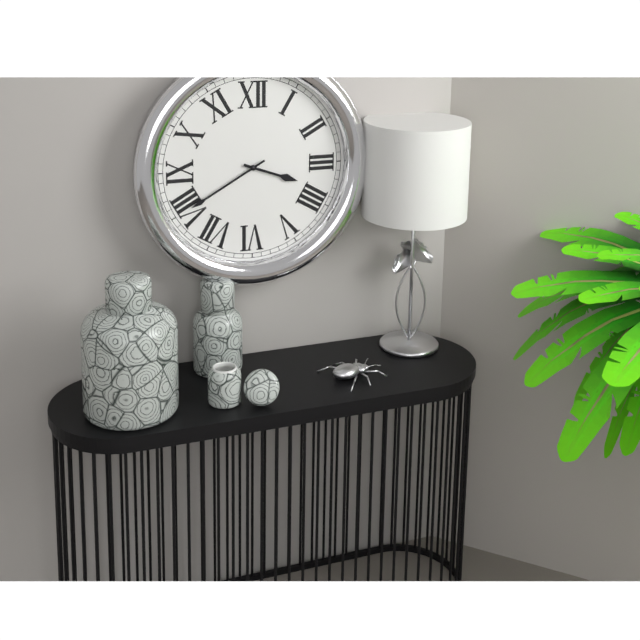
3:40
